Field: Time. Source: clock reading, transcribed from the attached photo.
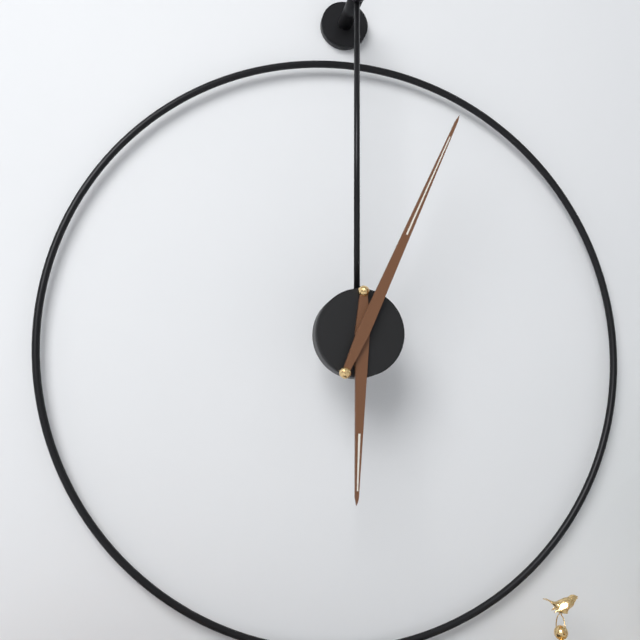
6:04
